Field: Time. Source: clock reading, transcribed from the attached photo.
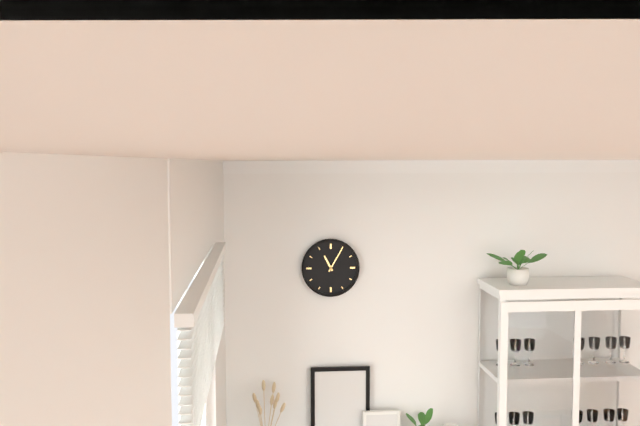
11:05
